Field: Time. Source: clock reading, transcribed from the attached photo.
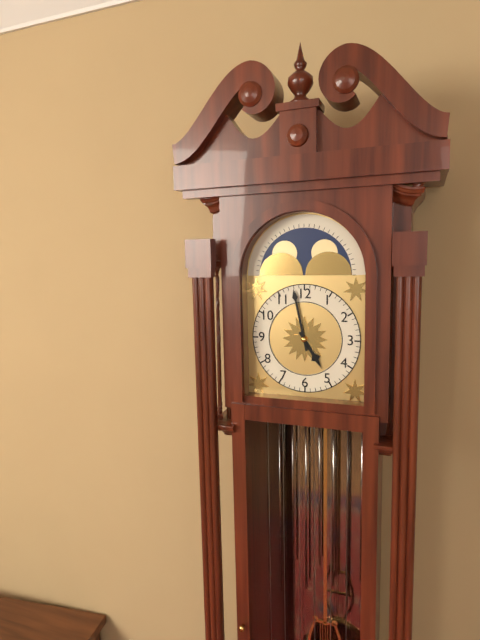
4:58
